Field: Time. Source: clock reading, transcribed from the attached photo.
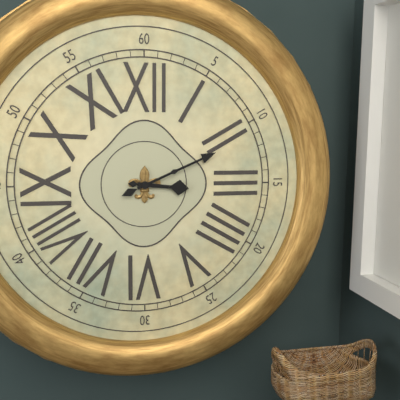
3:11
